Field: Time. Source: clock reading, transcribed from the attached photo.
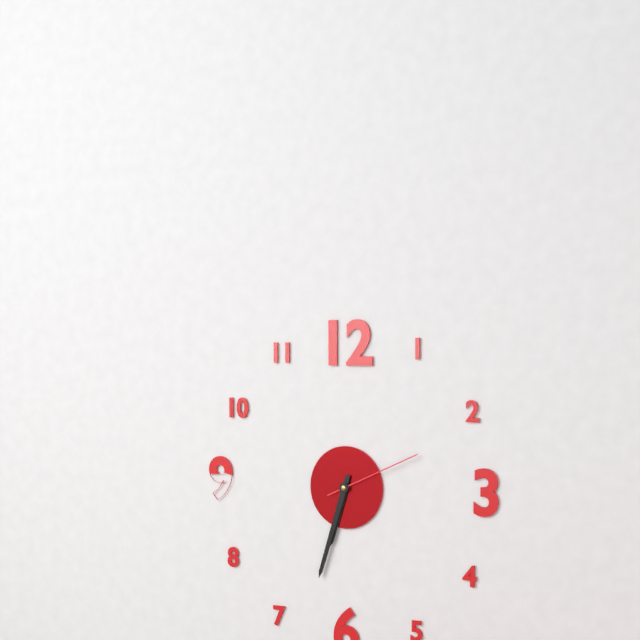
6:33:11
